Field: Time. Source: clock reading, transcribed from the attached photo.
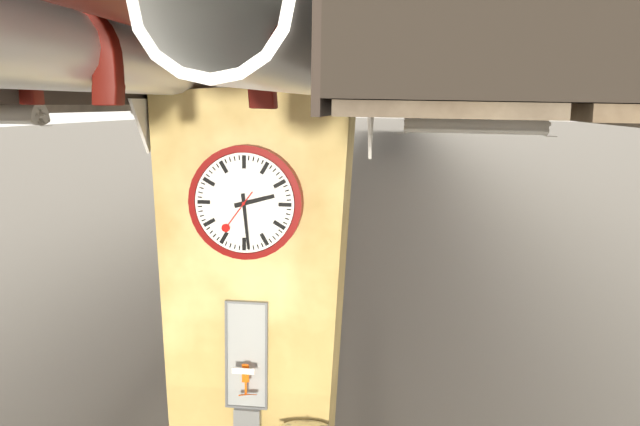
2:29
